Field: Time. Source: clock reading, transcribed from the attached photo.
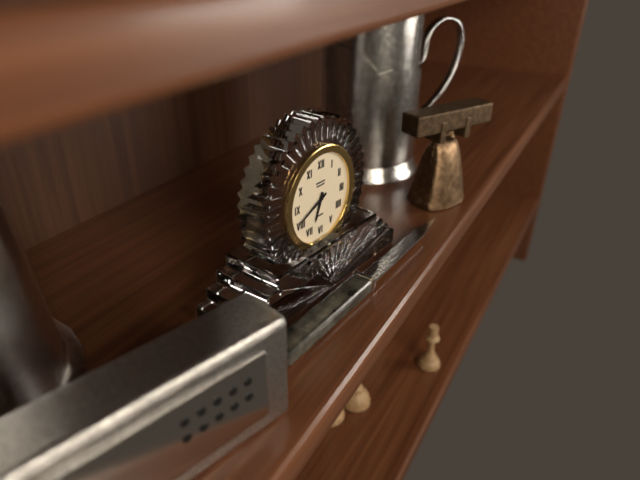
6:41
